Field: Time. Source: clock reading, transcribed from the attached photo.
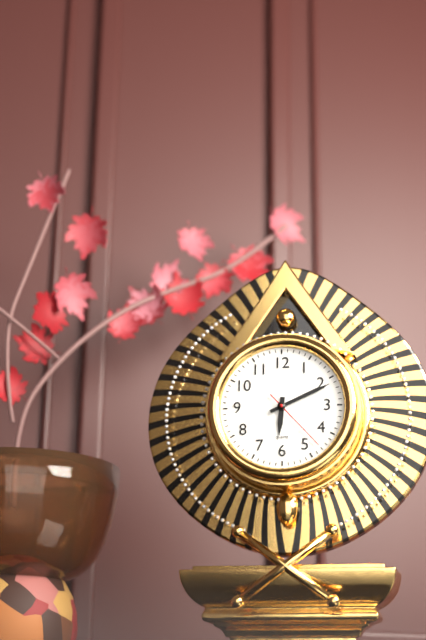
6:11:23
